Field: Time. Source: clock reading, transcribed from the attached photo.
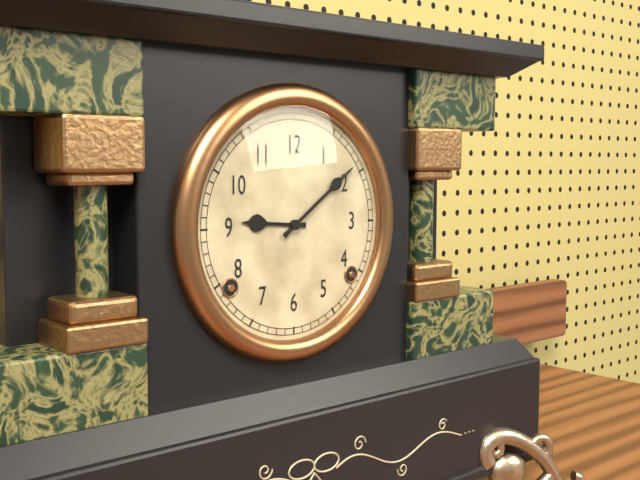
9:09
